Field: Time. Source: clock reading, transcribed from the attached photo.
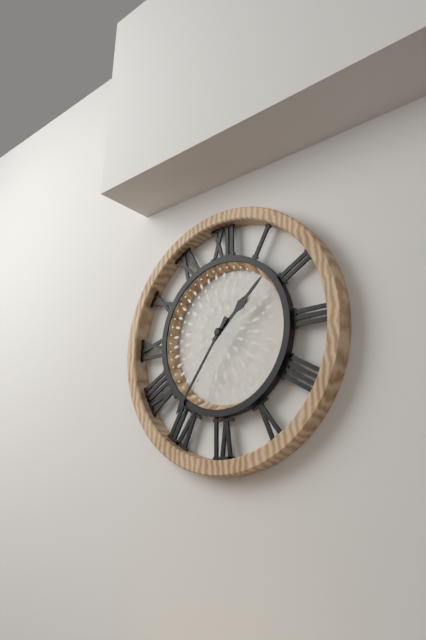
1:36
